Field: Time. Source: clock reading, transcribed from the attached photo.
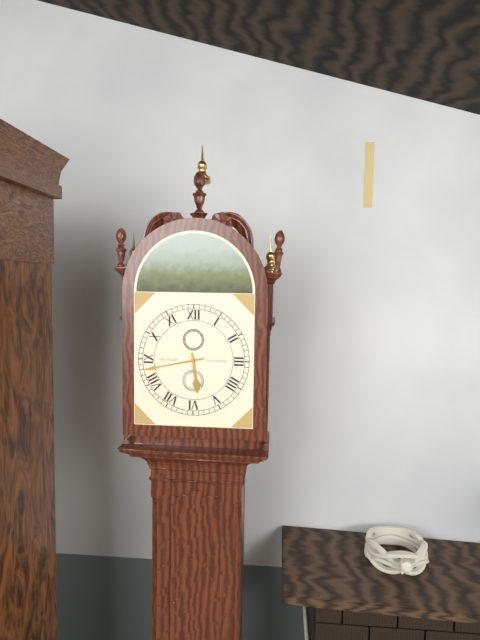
5:43
